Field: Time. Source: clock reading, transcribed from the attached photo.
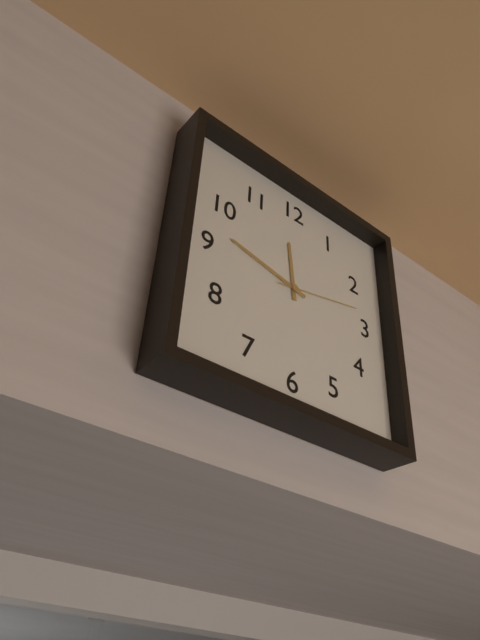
11:47:13
